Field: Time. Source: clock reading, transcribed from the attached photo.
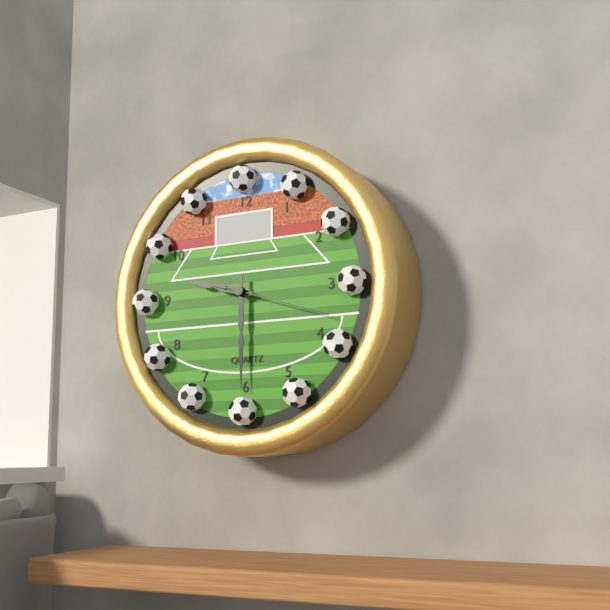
9:30:18
